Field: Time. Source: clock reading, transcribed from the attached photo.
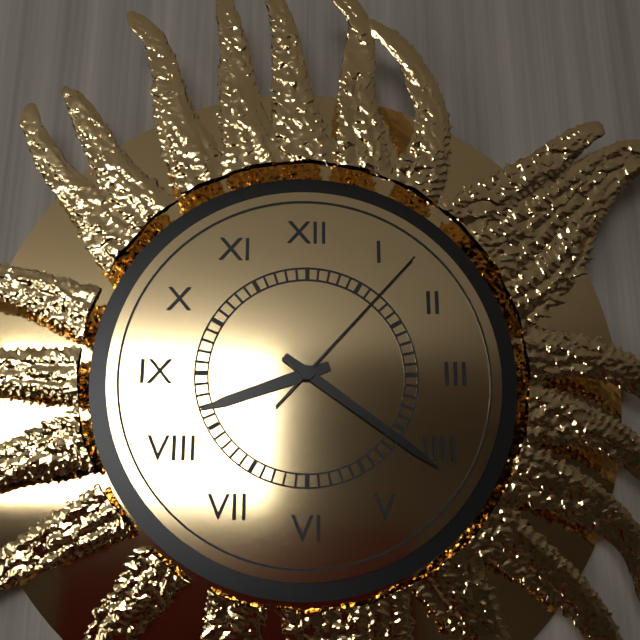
8:21:07
